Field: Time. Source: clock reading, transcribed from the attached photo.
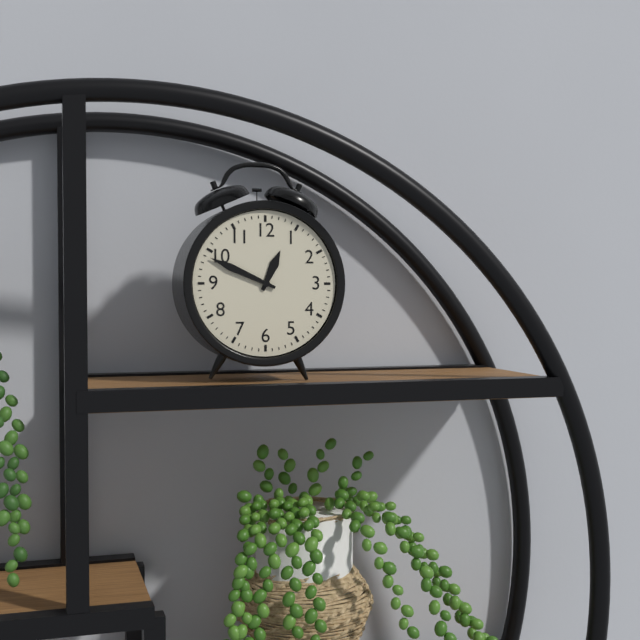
12:49
